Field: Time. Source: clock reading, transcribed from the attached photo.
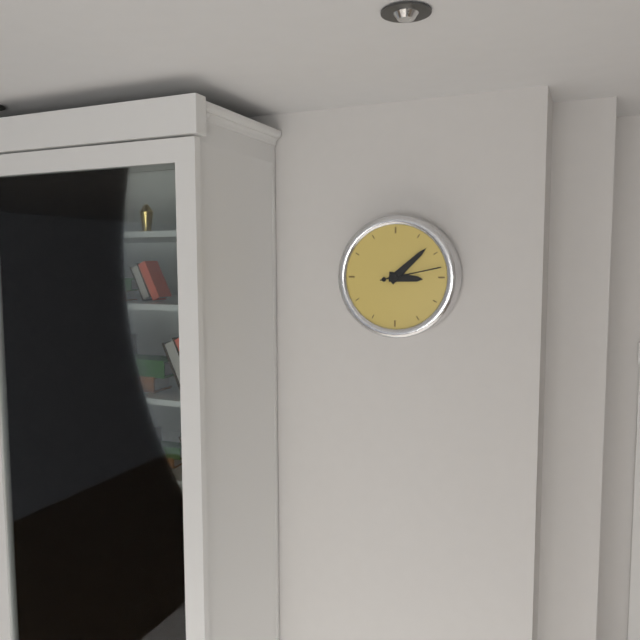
3:08:13
